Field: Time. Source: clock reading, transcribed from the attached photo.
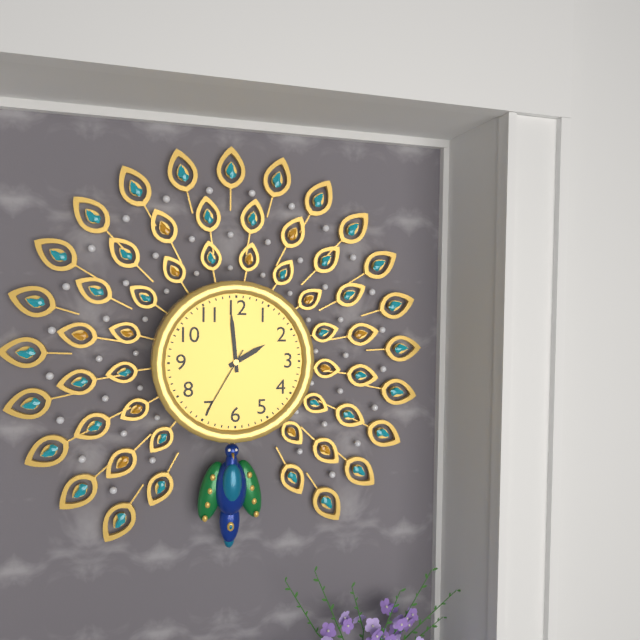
1:59:35
